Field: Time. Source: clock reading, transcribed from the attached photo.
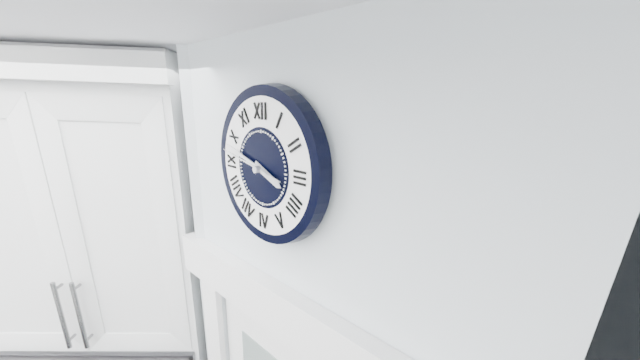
3:48:47
